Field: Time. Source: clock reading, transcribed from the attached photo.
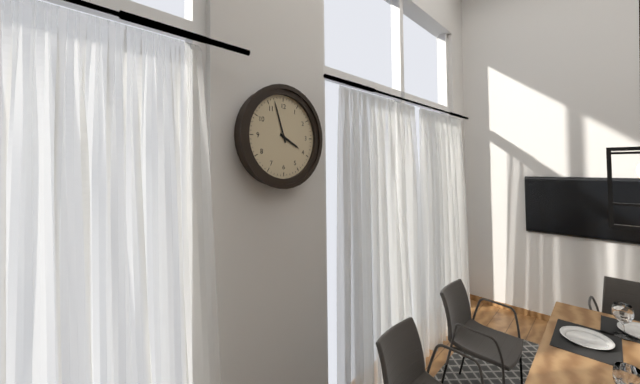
3:57
